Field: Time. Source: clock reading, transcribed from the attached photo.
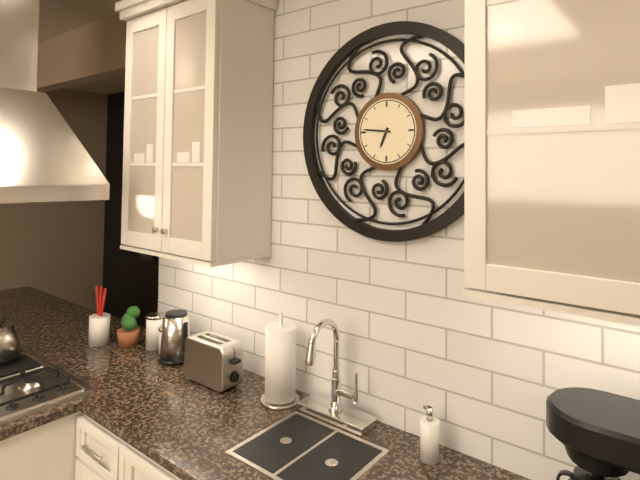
6:46
